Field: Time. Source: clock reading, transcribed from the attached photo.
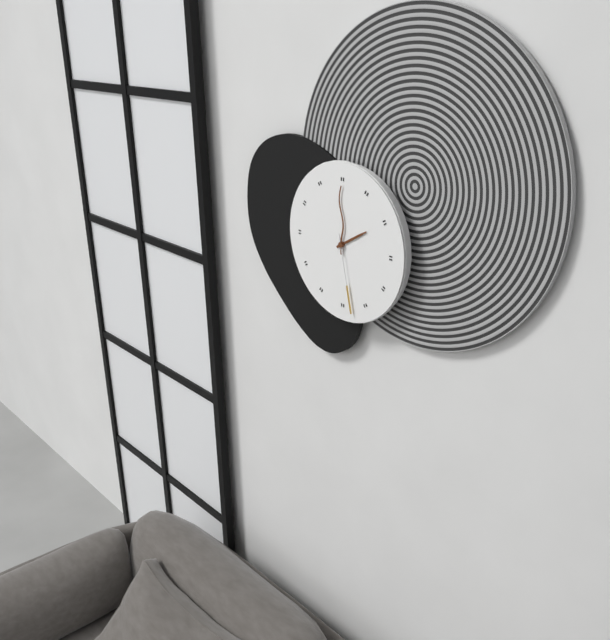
2:00:28
